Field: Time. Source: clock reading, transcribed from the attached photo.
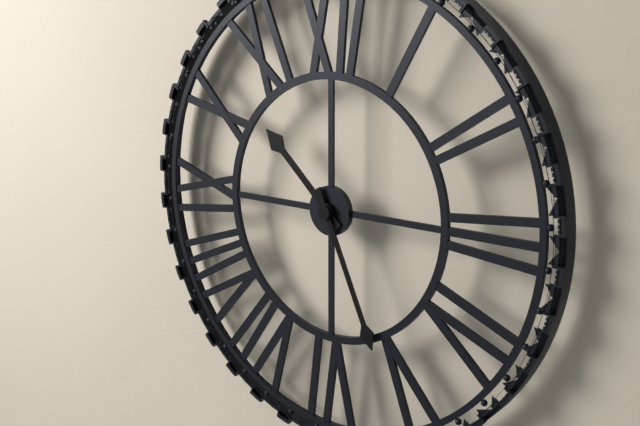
10:26
